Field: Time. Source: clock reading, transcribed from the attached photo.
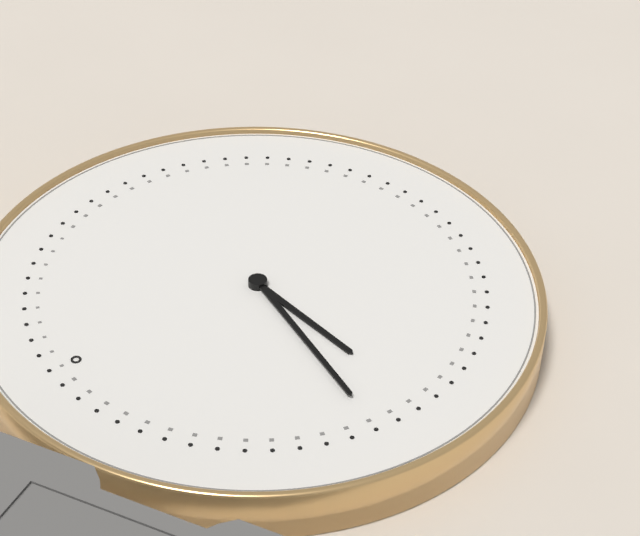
8:46
